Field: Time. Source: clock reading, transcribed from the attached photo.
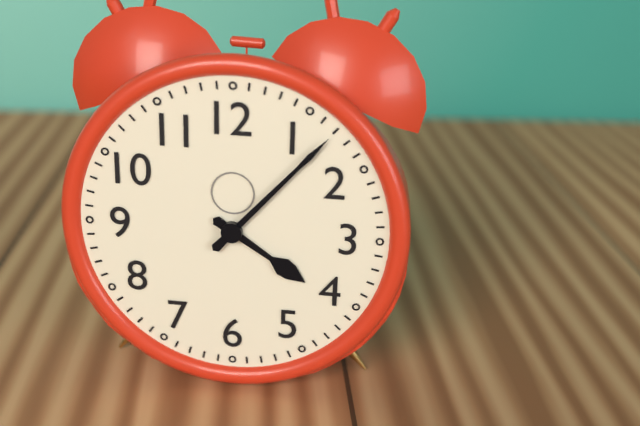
4:07
